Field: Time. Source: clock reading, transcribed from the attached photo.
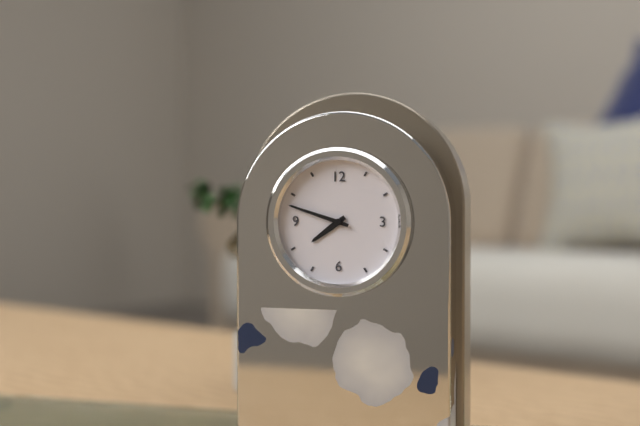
7:48
